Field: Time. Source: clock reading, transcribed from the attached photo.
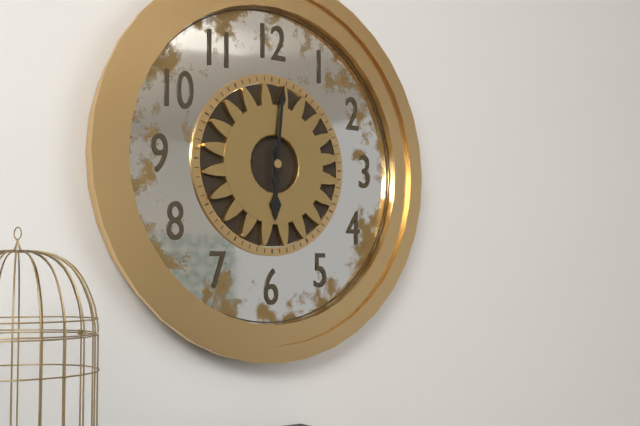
6:01
